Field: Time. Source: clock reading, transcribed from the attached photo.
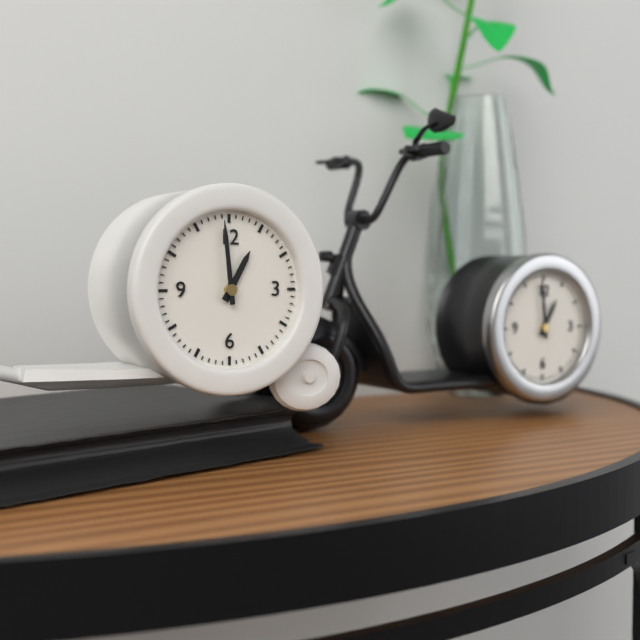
12:59
